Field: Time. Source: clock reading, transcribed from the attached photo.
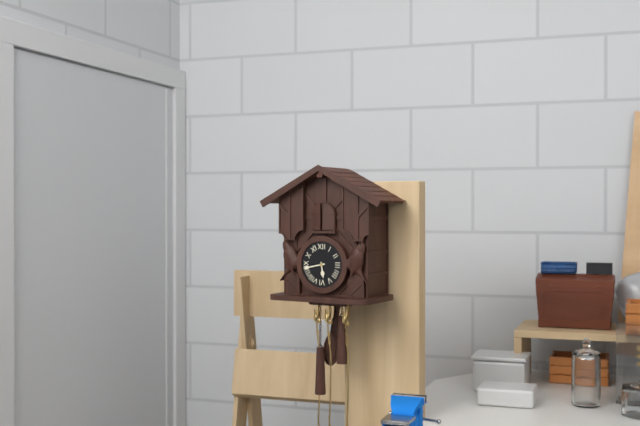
5:43
